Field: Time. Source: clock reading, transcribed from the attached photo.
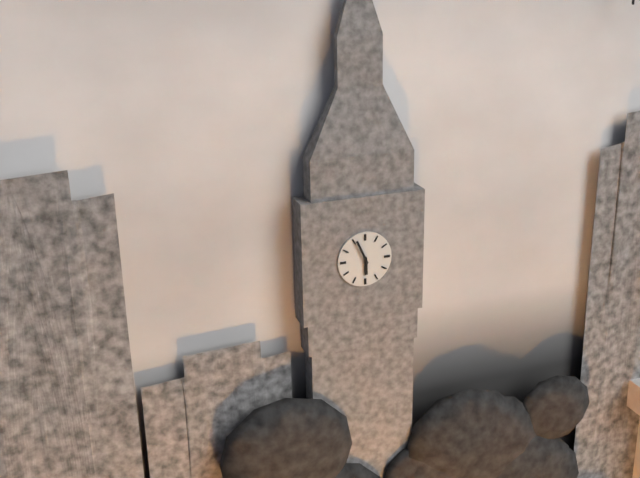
5:56
